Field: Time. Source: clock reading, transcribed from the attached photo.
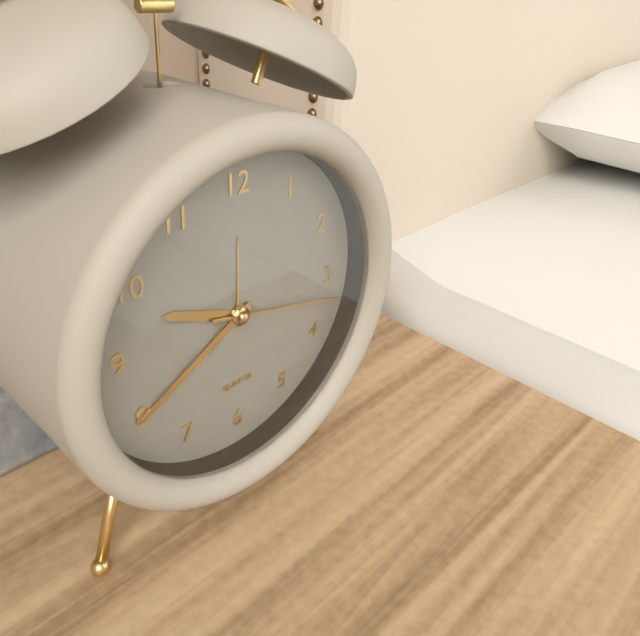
9:40:17
